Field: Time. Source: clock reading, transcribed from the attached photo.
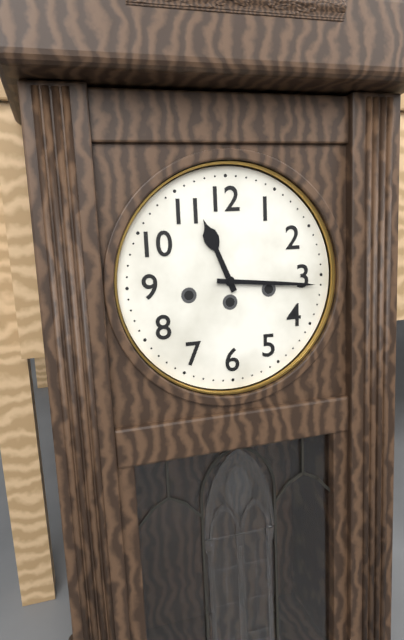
11:16
